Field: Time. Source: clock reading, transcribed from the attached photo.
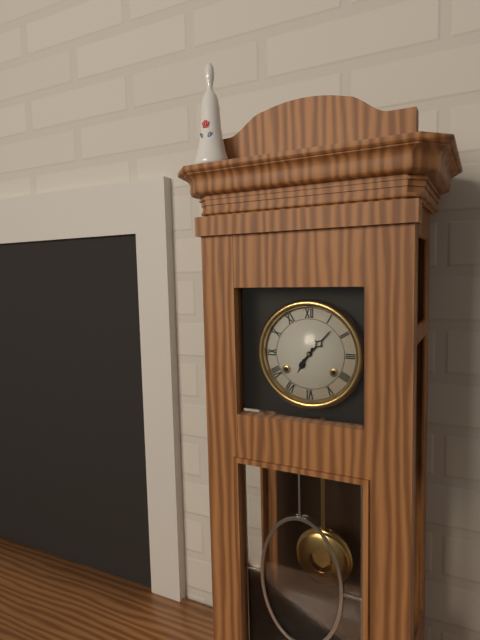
7:07
